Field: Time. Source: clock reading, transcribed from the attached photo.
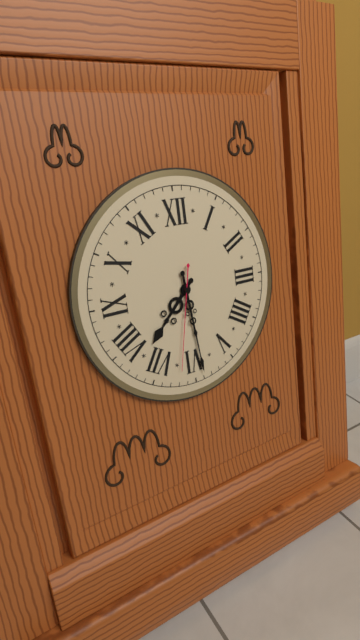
7:29:32
